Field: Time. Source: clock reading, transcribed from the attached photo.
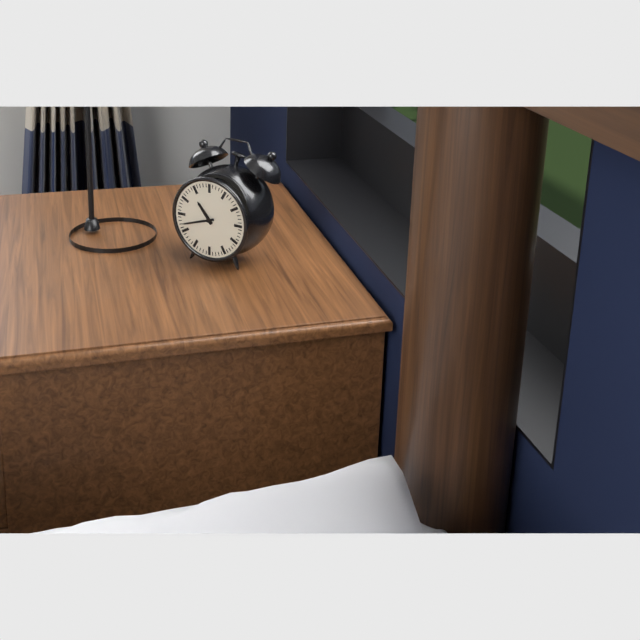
10:42
